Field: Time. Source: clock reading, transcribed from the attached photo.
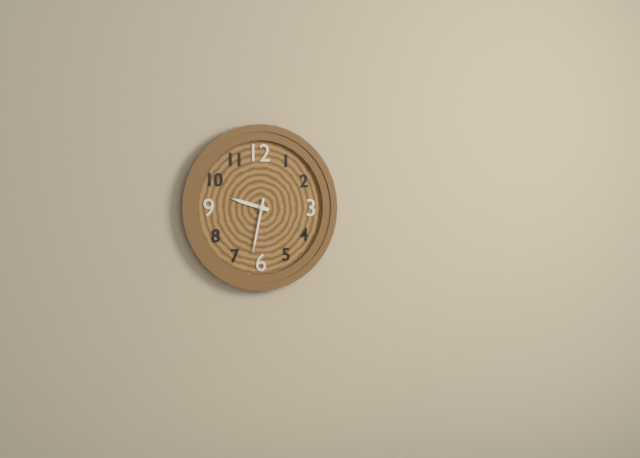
9:32
